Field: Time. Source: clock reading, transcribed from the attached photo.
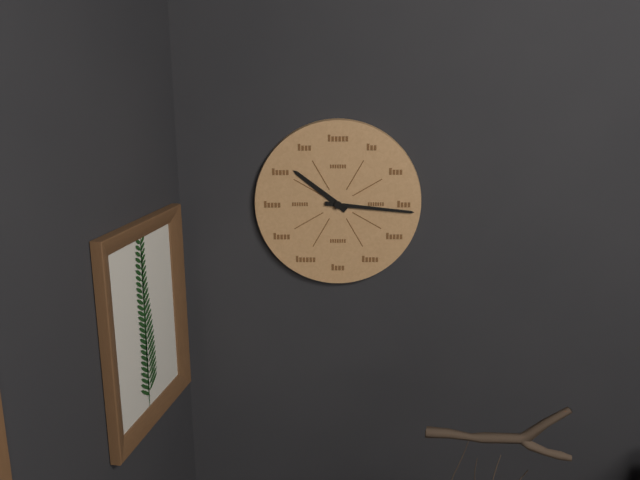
10:16
